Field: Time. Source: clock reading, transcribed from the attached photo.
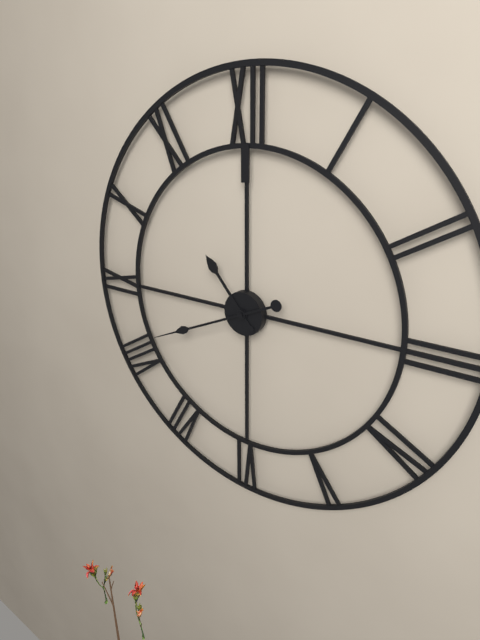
10:41
